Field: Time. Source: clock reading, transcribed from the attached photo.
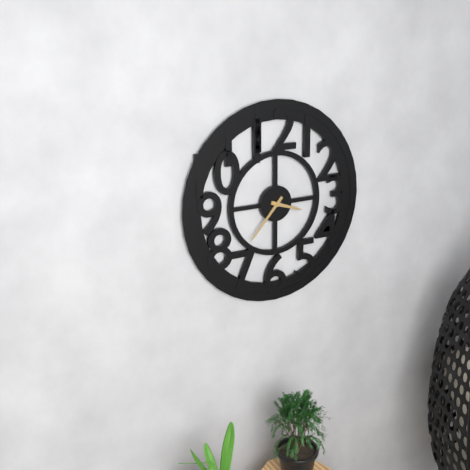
3:37
